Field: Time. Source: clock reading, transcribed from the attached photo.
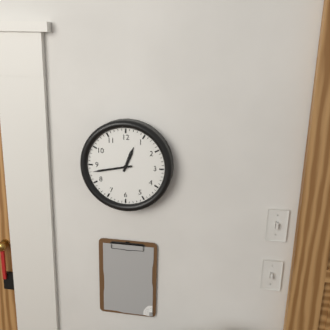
12:43
